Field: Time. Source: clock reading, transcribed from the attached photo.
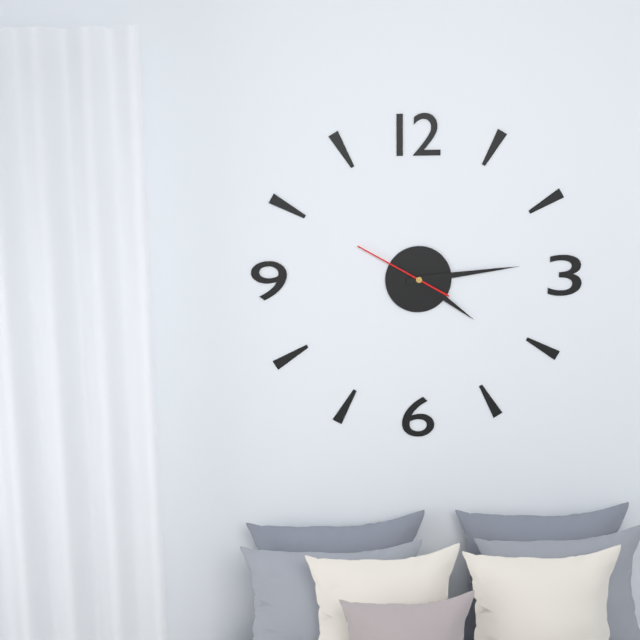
4:14:50
